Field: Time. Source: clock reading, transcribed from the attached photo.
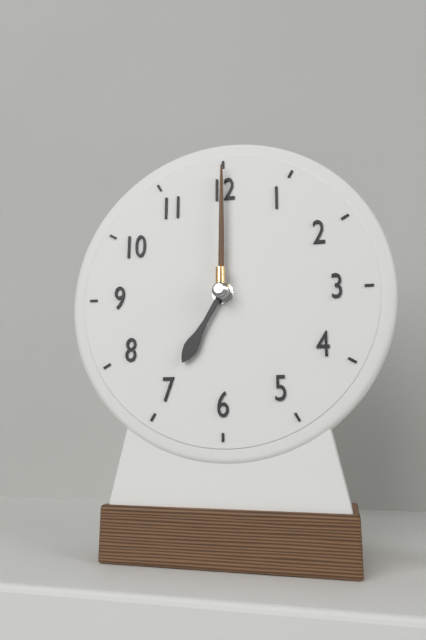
7:00
